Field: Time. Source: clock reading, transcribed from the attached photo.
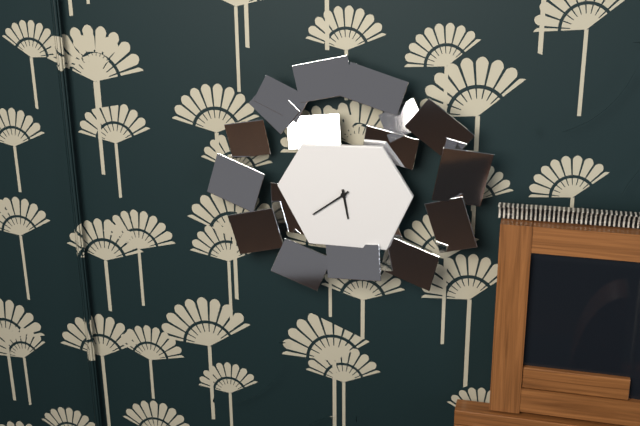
5:39
